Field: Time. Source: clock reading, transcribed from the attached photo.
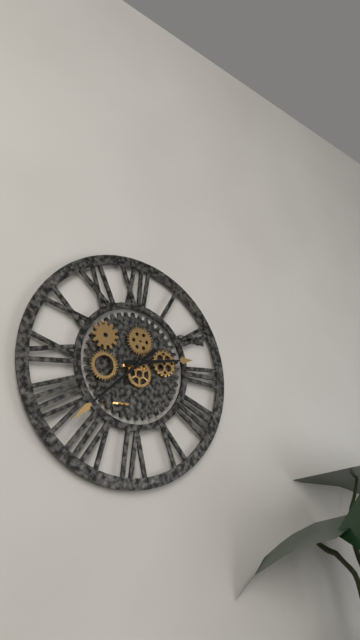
2:38
